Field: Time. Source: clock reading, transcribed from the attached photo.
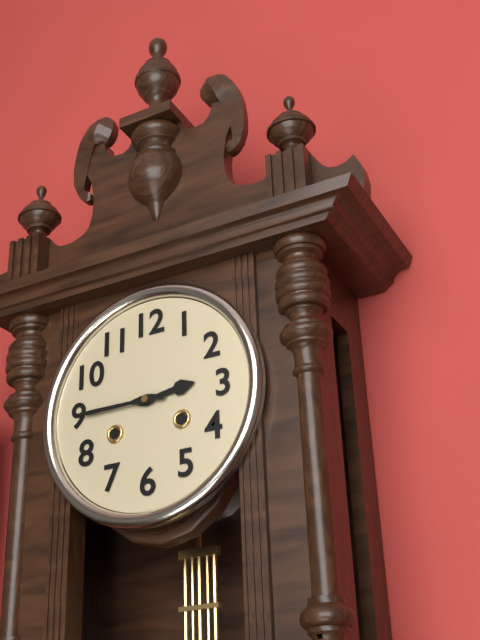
2:45
